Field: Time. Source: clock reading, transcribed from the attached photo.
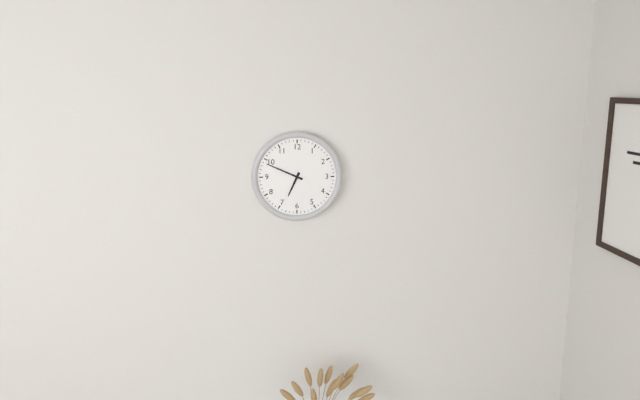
6:49
